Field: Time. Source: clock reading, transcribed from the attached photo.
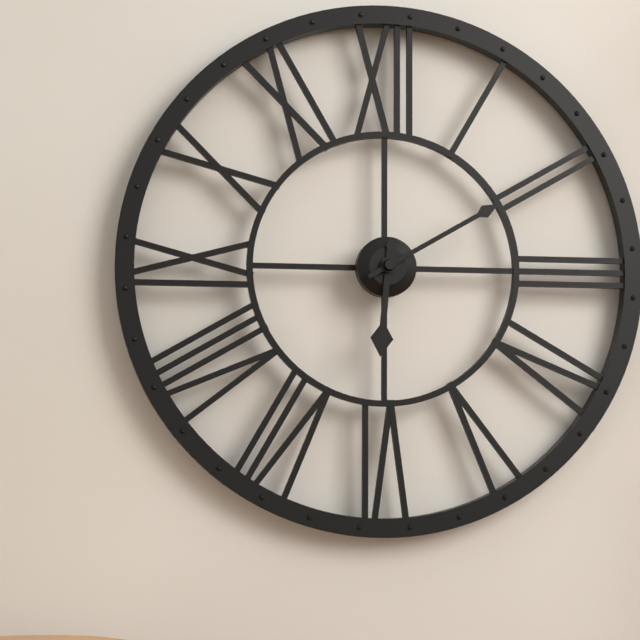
6:10
